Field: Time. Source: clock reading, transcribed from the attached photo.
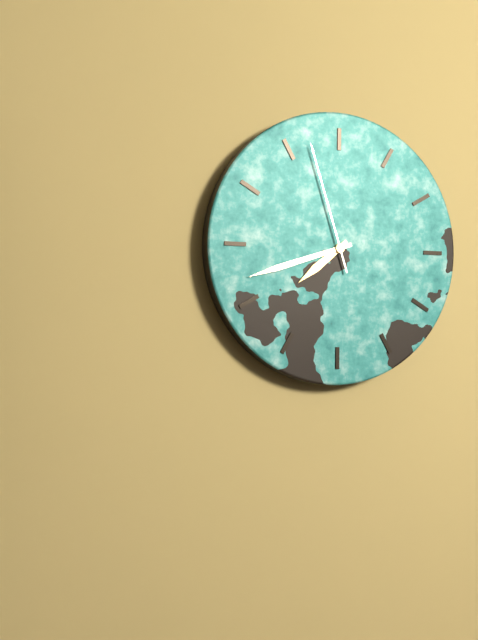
7:42:57
